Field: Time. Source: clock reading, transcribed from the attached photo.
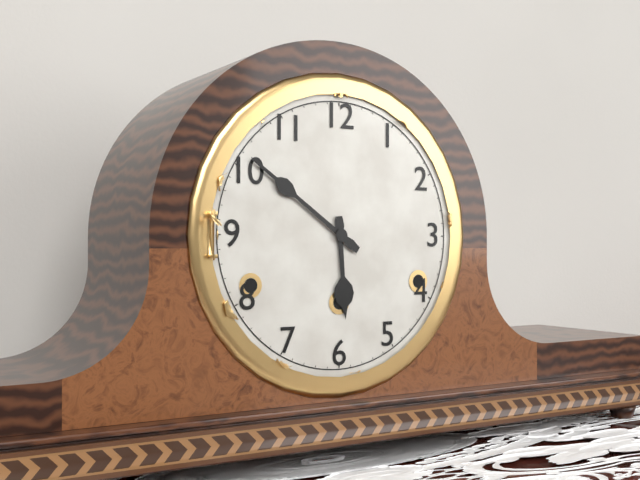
5:51
